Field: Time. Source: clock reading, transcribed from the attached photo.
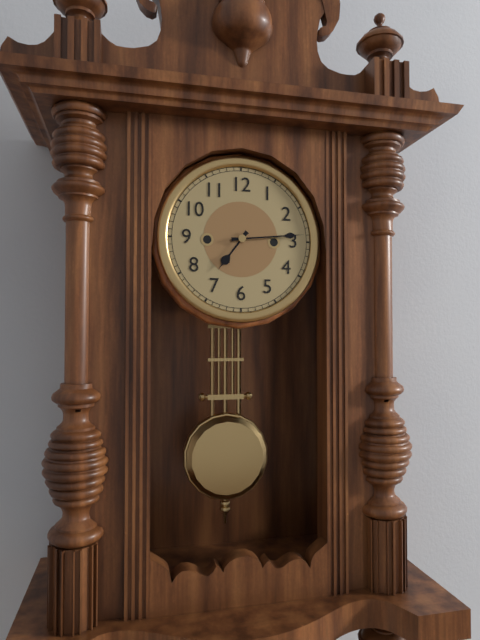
7:14
